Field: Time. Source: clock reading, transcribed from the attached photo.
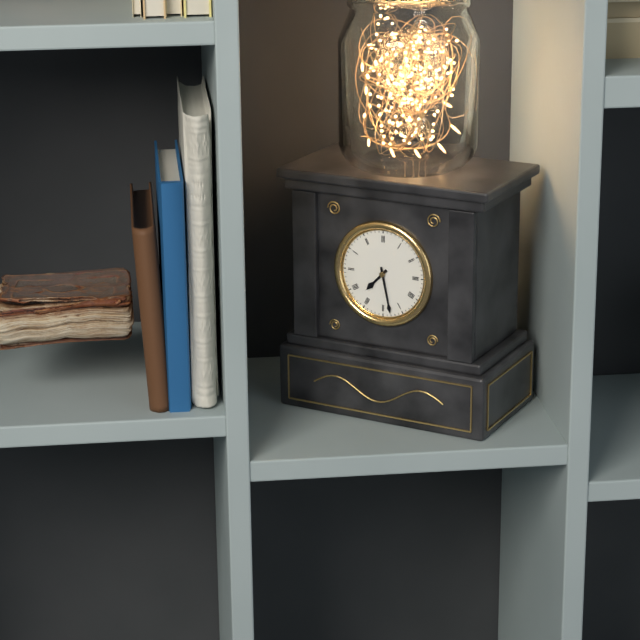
7:28
